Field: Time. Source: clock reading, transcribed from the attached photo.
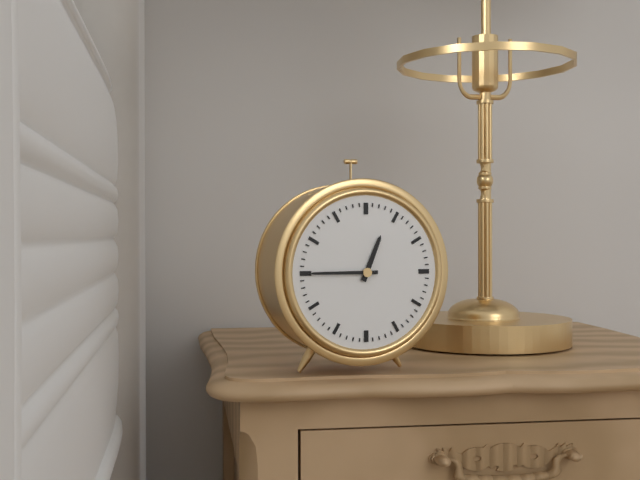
12:45
